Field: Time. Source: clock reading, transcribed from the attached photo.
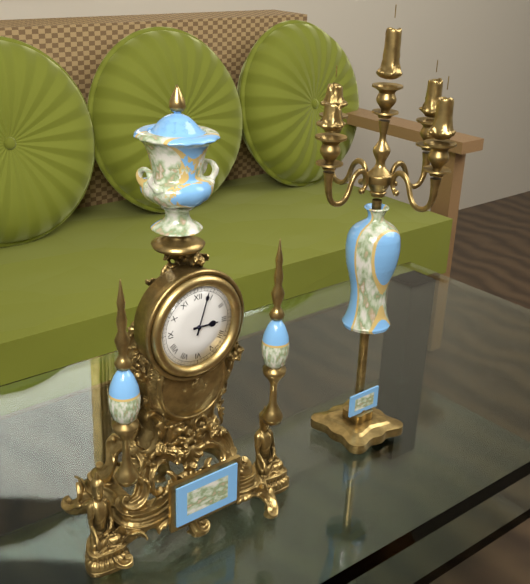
3:03
